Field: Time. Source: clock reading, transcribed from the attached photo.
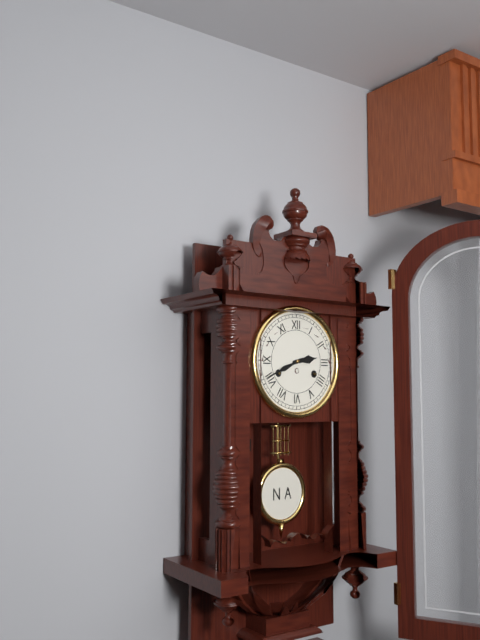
2:41
